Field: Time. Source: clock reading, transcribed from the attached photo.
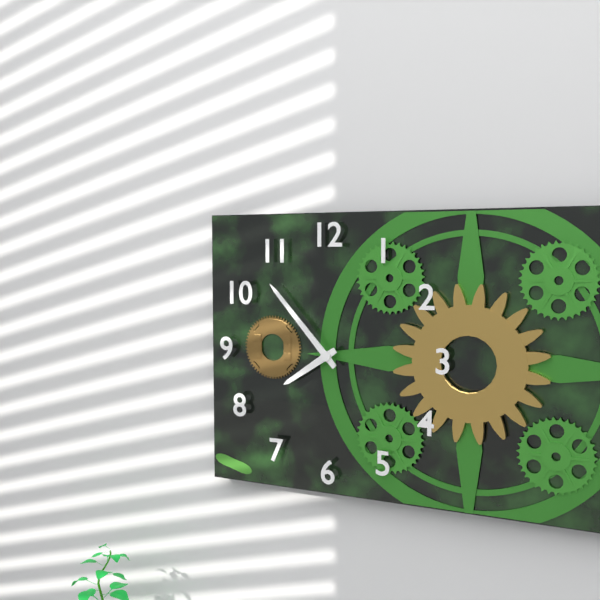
7:53
